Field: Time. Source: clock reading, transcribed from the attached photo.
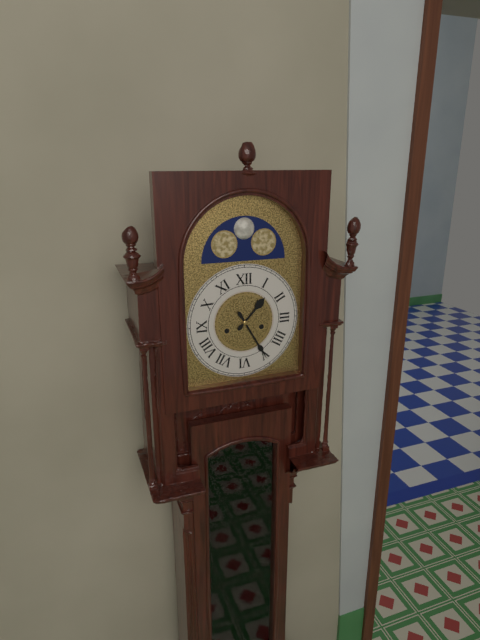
1:25
